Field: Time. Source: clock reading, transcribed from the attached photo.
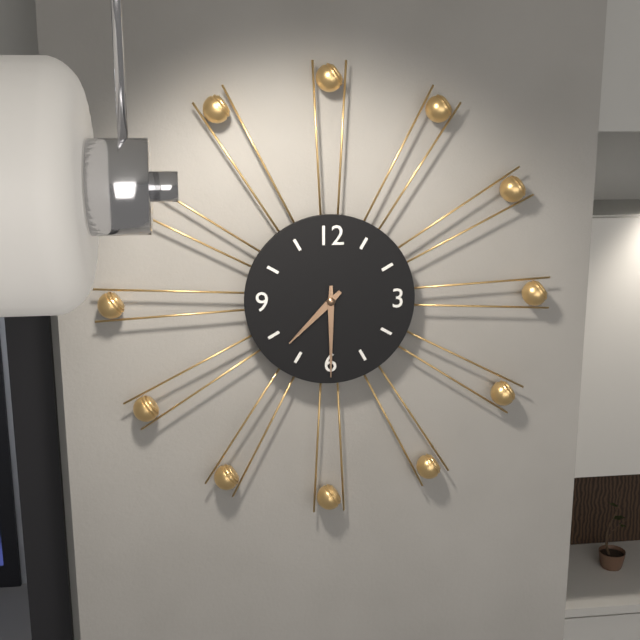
7:30
